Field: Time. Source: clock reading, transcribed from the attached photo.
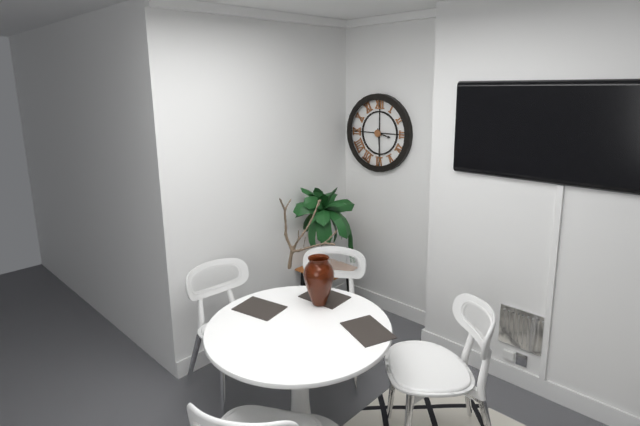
3:29
